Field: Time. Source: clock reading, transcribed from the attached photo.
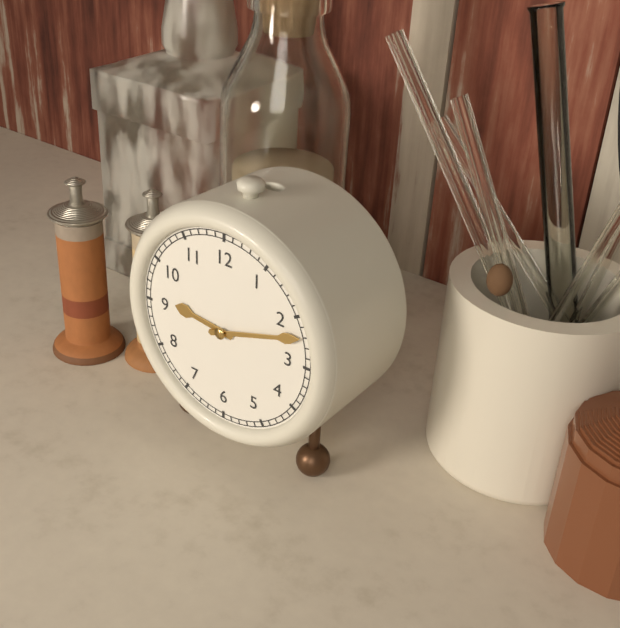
9:12
